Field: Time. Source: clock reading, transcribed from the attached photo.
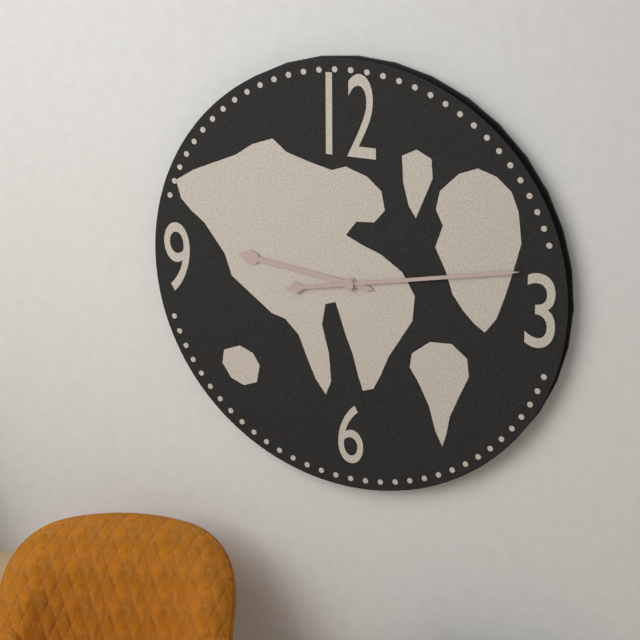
9:13
